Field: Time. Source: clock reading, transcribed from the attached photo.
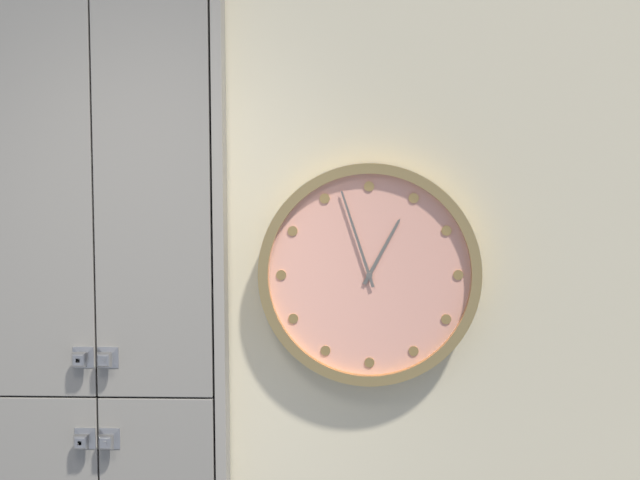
12:57
